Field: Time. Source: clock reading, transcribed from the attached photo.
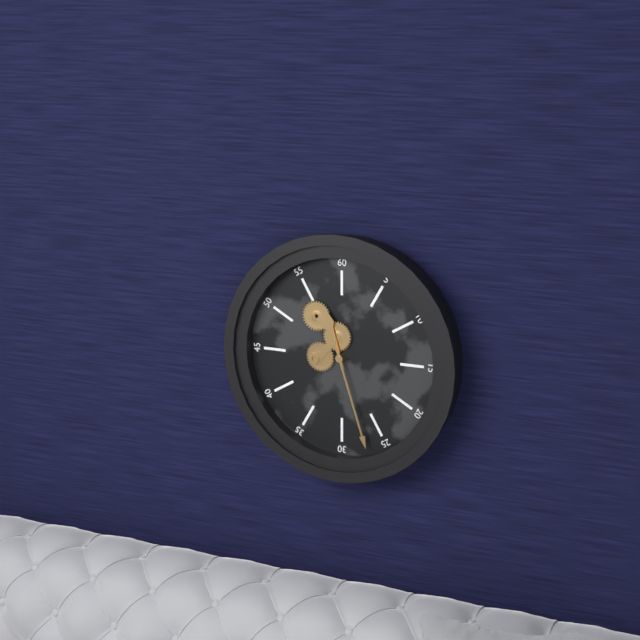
11:27
